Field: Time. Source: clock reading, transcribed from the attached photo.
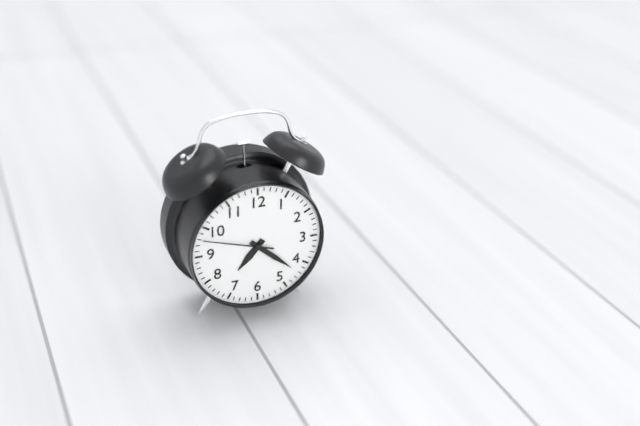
7:22:48
